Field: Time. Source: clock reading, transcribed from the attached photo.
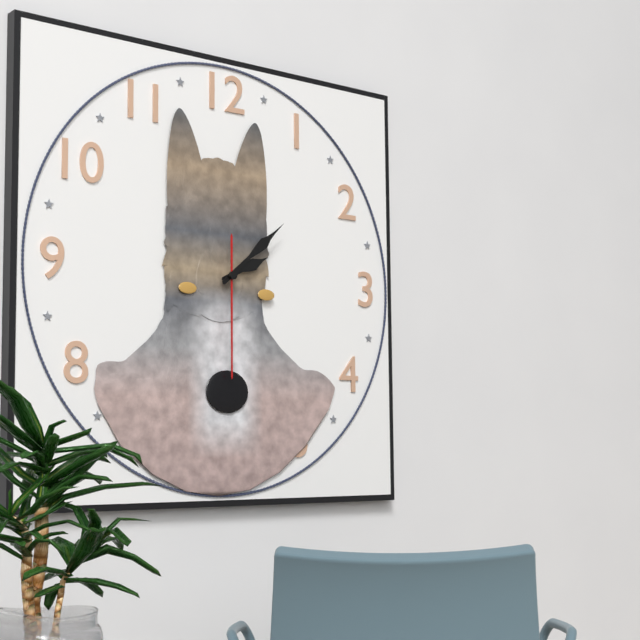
2:08:30
